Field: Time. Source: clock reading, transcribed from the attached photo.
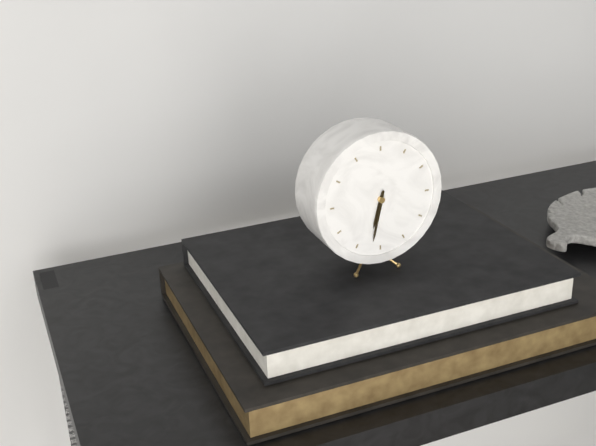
6:32
